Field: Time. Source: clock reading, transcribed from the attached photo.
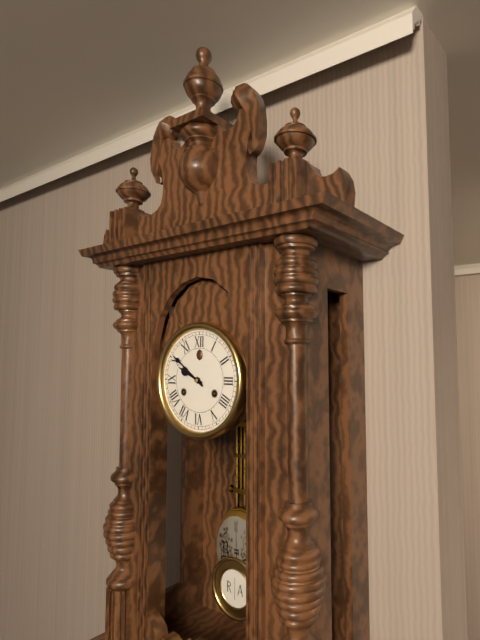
9:51
